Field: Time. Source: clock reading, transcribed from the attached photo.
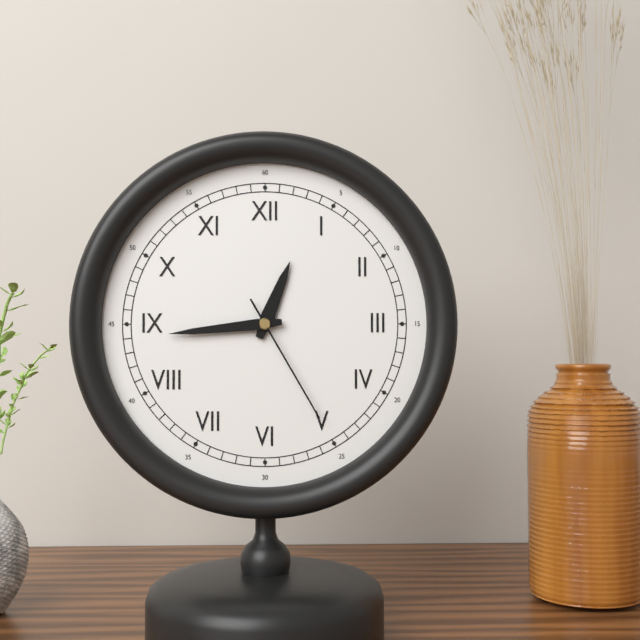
12:44:25
